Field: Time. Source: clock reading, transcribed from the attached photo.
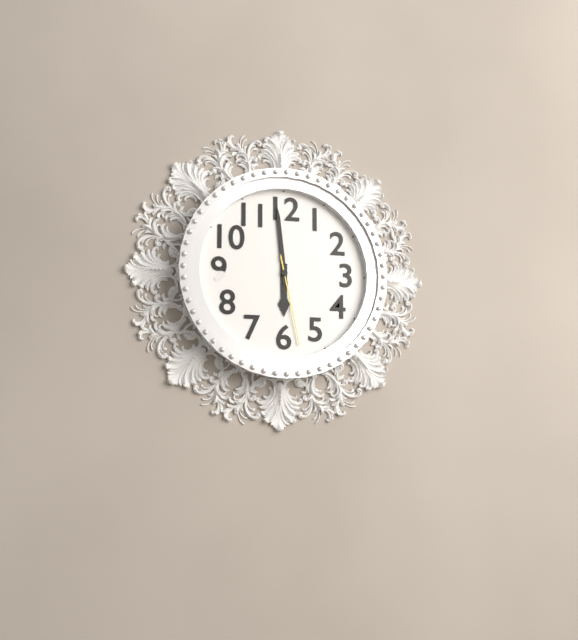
5:59:28
